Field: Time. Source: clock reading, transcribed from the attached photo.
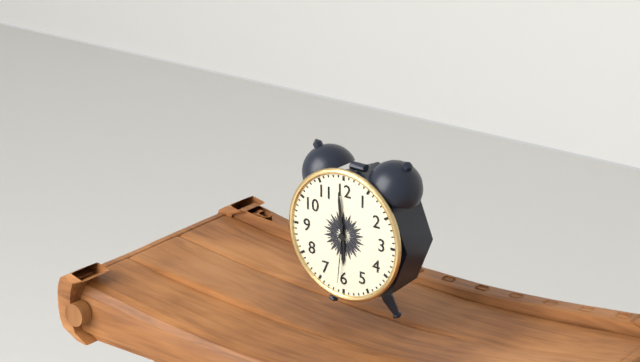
5:59:31
